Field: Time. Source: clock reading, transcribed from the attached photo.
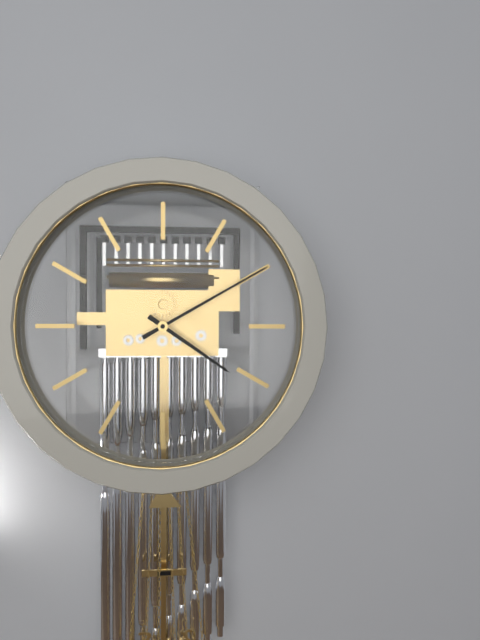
4:10
